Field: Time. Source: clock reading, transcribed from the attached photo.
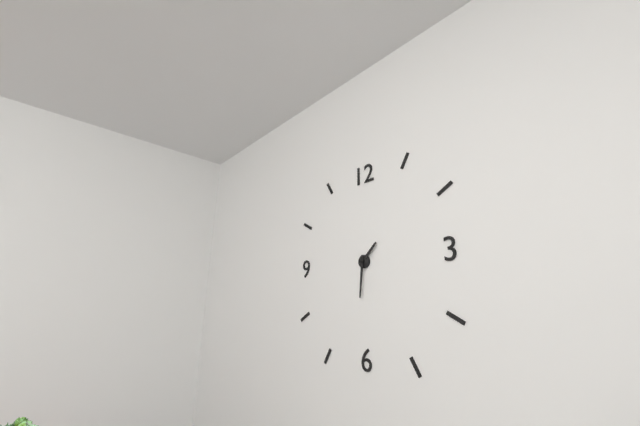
1:31
